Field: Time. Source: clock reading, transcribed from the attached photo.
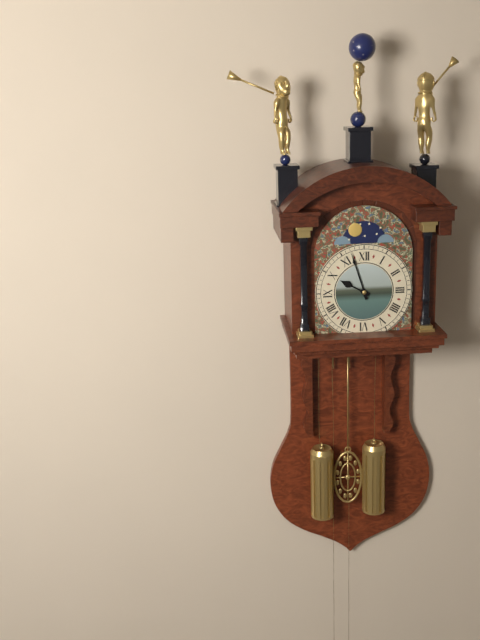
9:57
